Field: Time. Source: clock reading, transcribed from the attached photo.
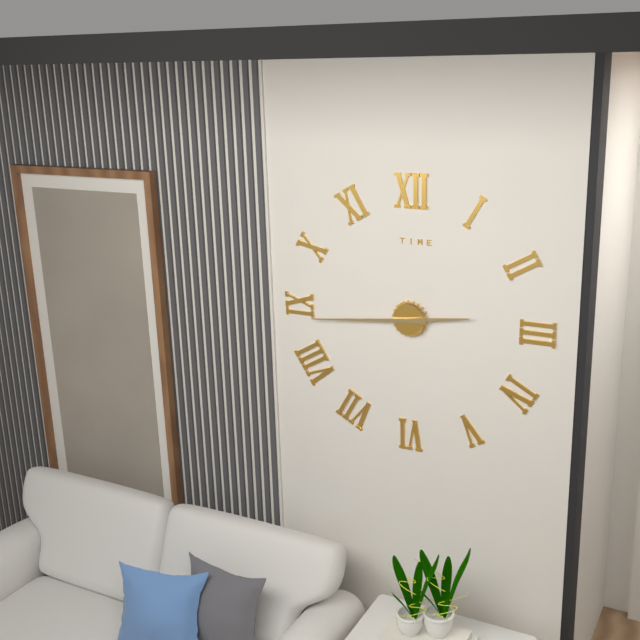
2:44
